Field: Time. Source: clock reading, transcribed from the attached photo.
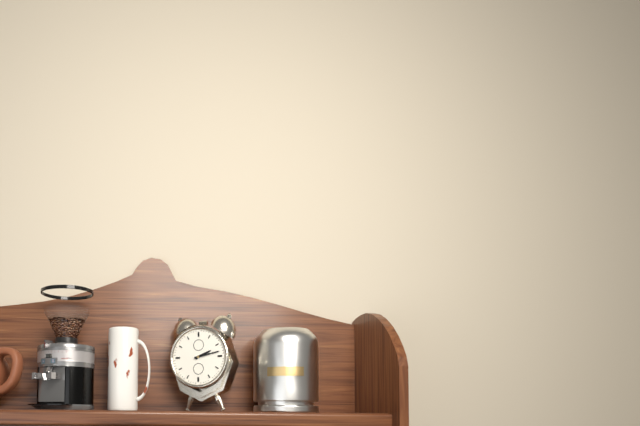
2:13
